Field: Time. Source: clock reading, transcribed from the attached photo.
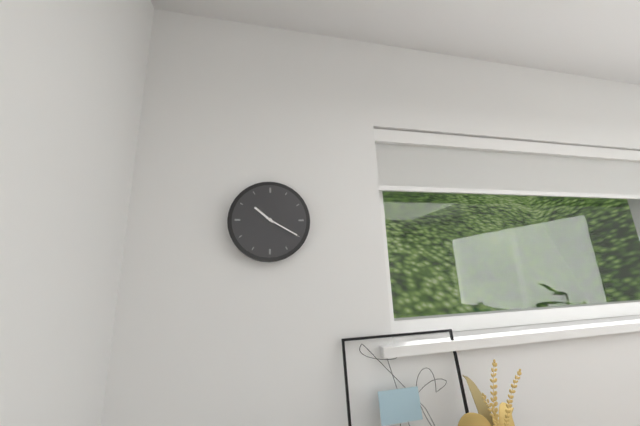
10:20
